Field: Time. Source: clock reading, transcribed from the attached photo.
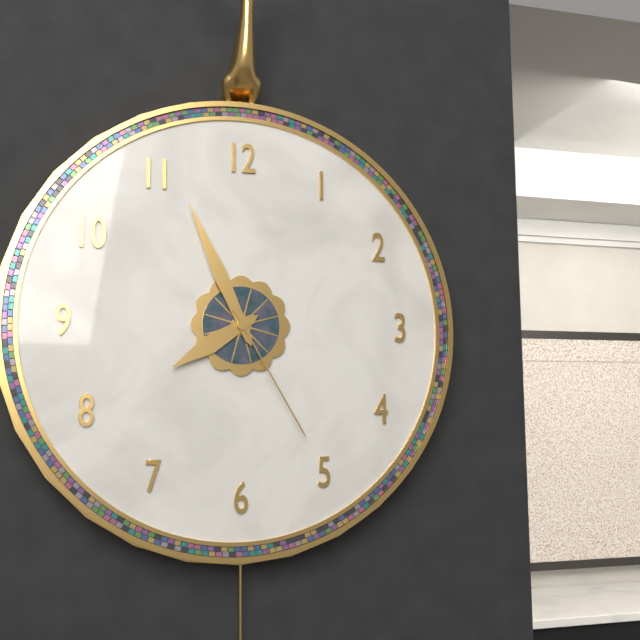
7:56:25
